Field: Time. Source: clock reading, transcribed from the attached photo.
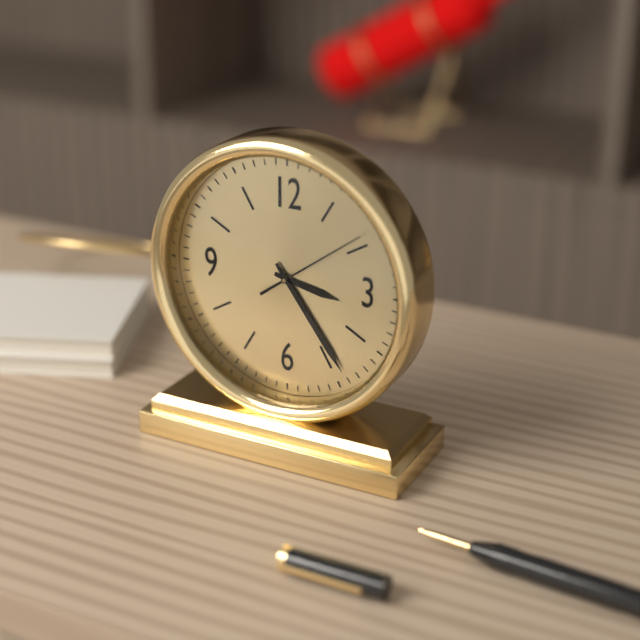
3:24:09
